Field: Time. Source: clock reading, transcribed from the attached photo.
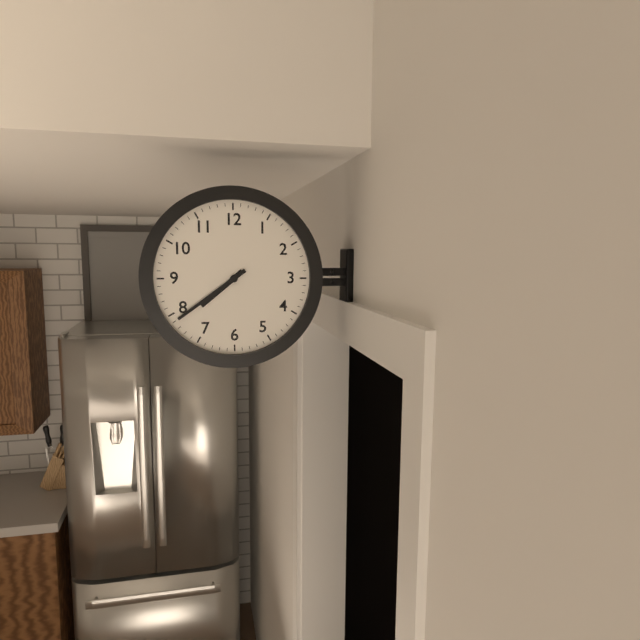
7:39
